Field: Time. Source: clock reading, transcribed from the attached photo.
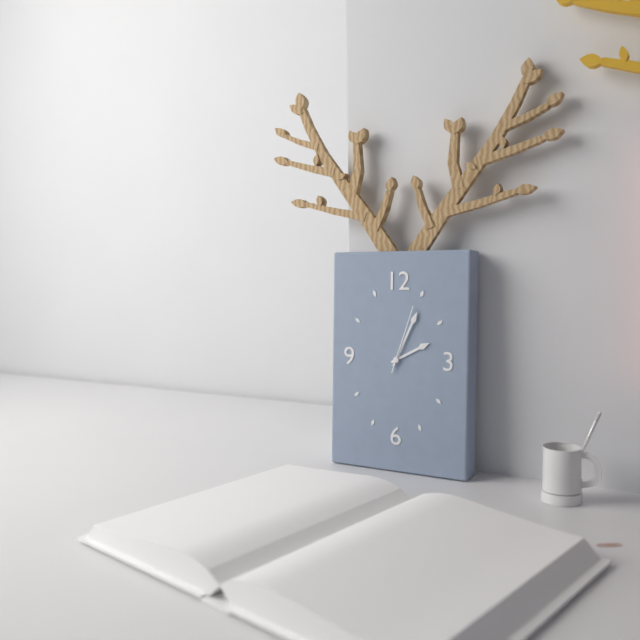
2:04:03
